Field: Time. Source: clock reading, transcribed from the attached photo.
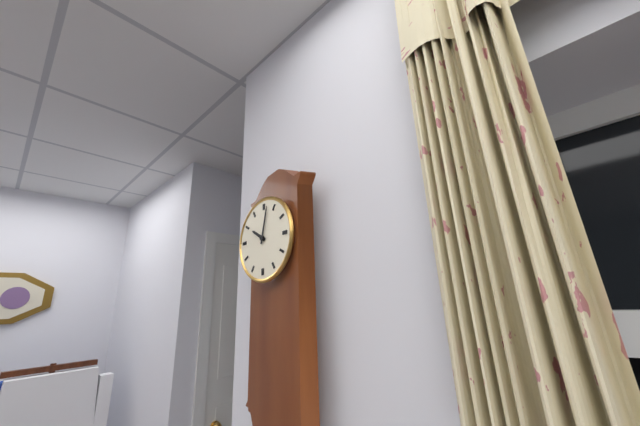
10:02
